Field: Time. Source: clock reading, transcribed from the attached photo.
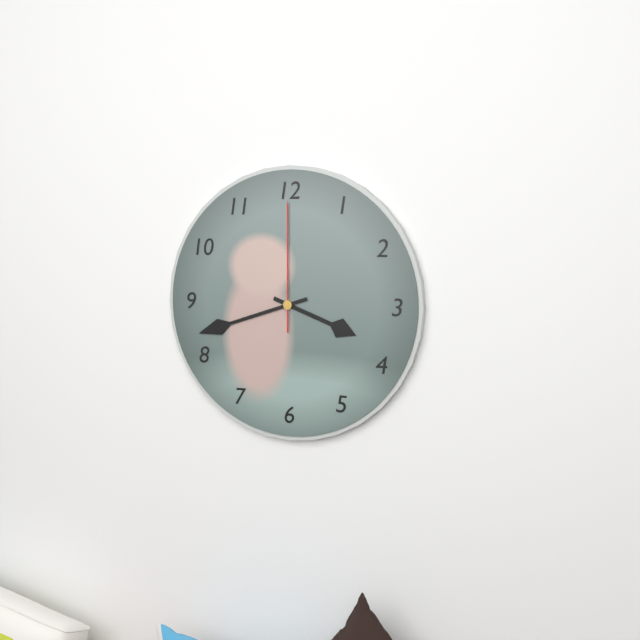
3:42:00
